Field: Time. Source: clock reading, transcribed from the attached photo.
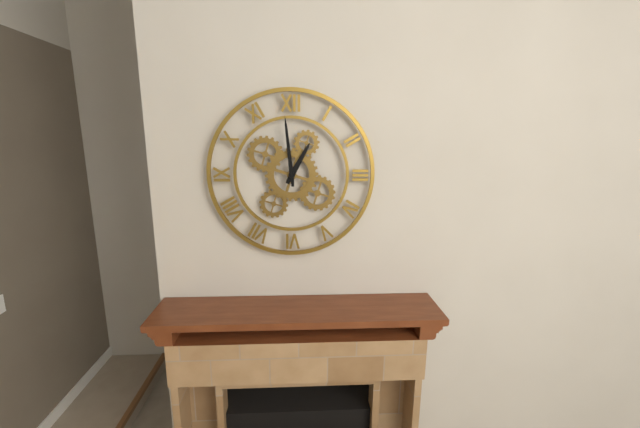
12:59
